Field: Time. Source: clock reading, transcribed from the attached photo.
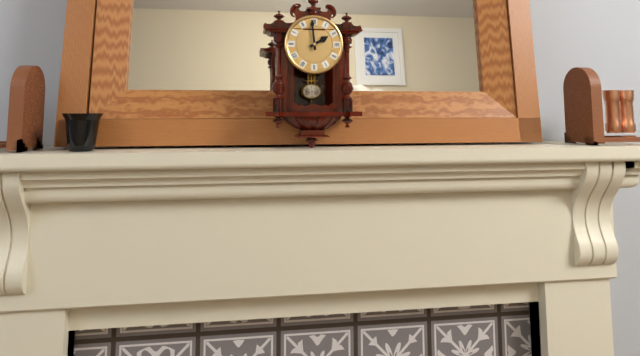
1:59
